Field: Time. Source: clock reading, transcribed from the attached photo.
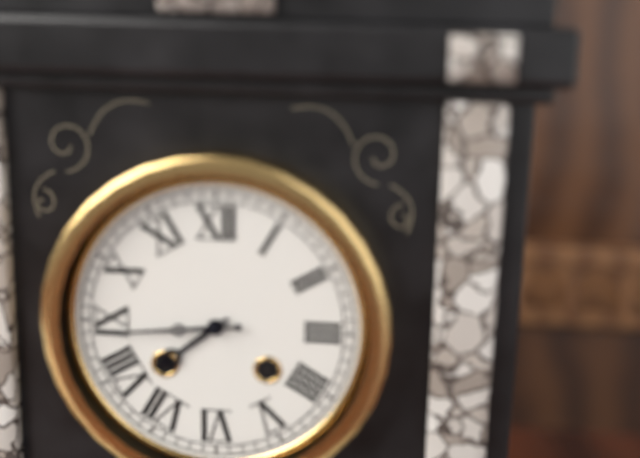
7:44
